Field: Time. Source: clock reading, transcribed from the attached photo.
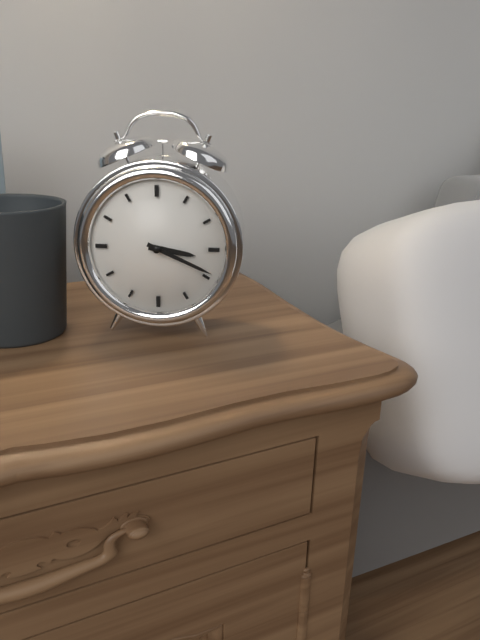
3:19
